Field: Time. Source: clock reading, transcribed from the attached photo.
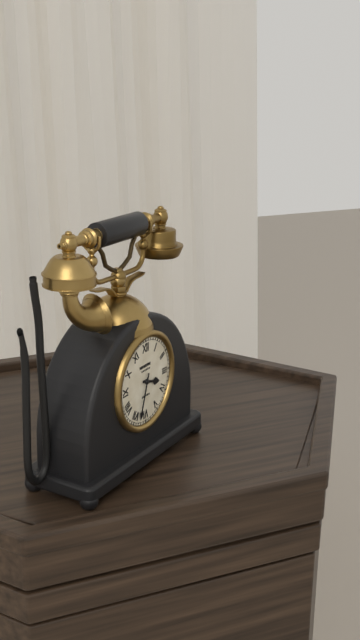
3:33
